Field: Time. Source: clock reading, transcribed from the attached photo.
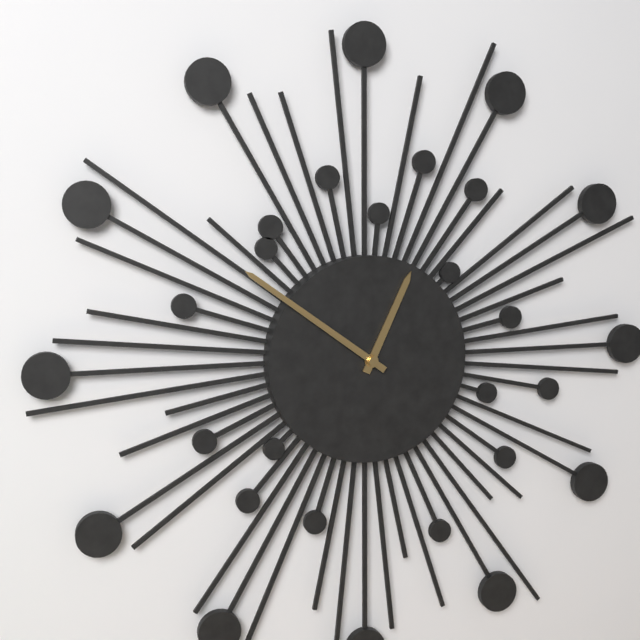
12:51
